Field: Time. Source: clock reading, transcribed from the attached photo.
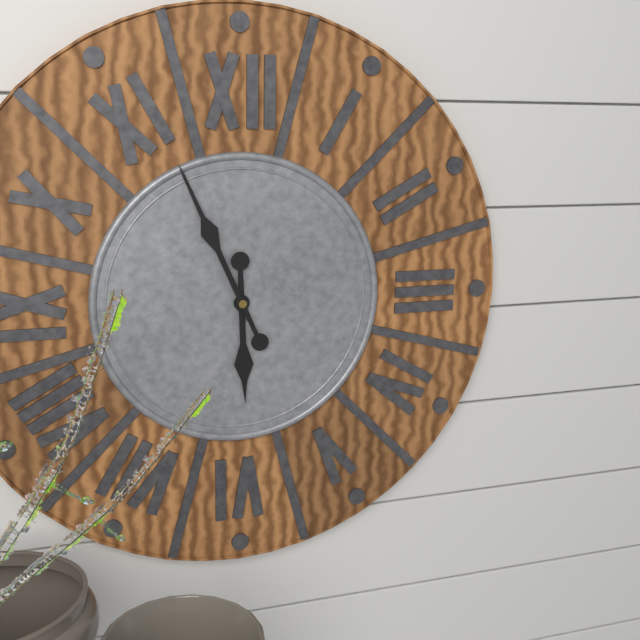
5:56
